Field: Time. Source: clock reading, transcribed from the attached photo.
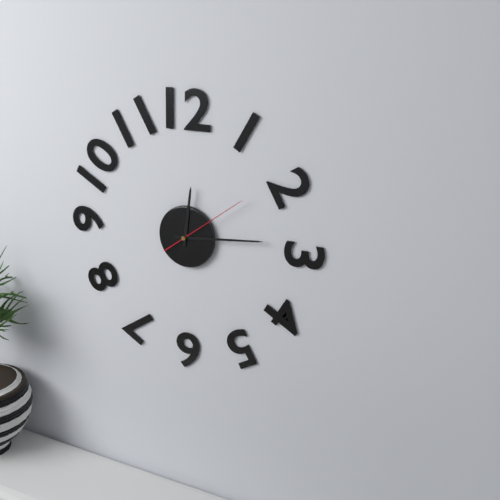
12:14:09
